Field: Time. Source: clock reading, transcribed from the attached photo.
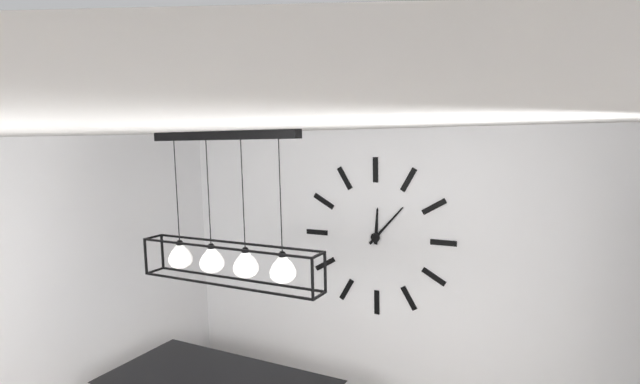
12:07
